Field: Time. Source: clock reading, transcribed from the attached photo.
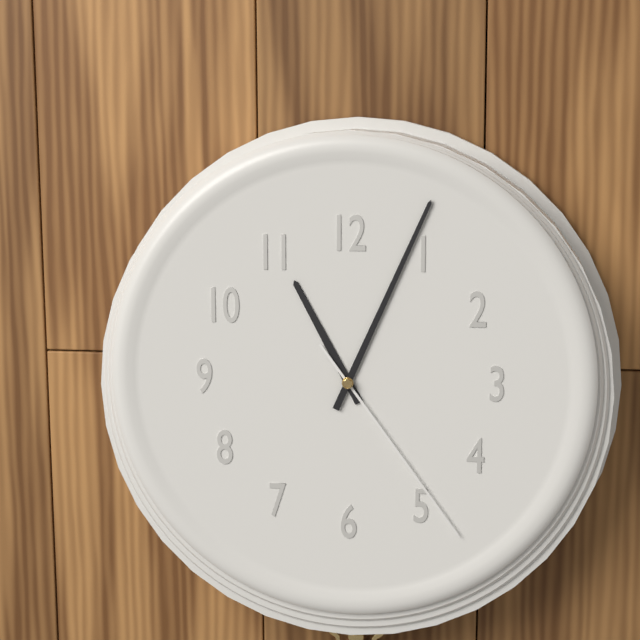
11:04:24
